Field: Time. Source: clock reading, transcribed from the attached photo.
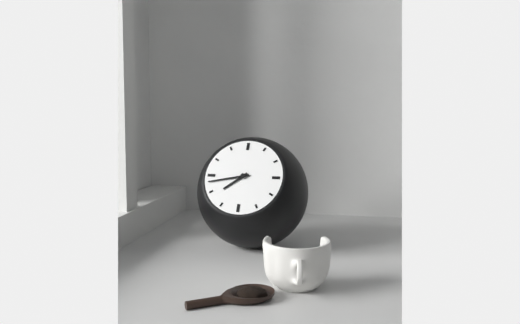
7:43
